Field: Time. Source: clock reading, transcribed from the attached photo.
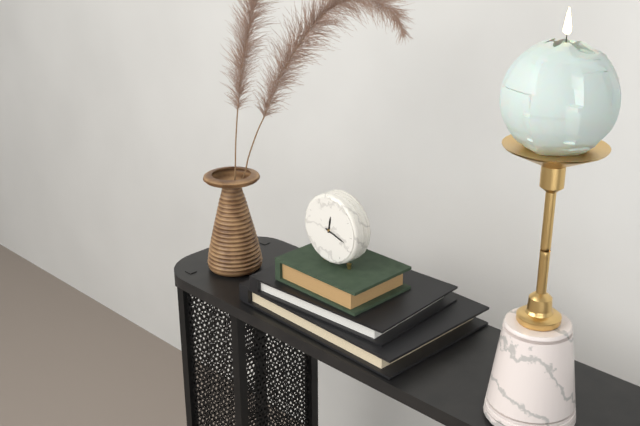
12:18
